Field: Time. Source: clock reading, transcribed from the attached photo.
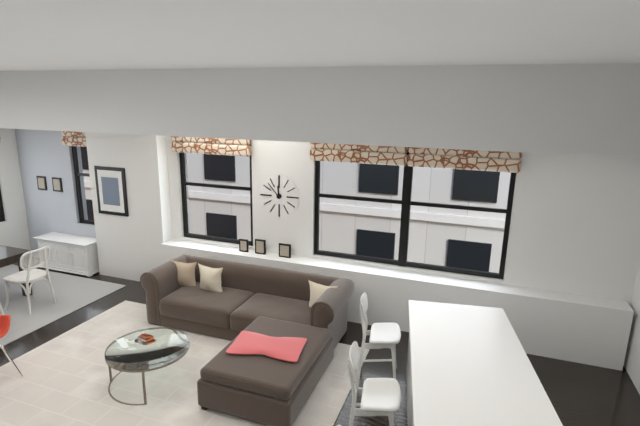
11:53
